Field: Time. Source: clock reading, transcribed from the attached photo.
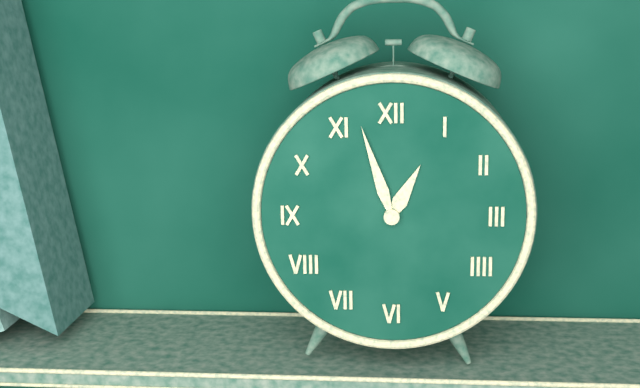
12:57
